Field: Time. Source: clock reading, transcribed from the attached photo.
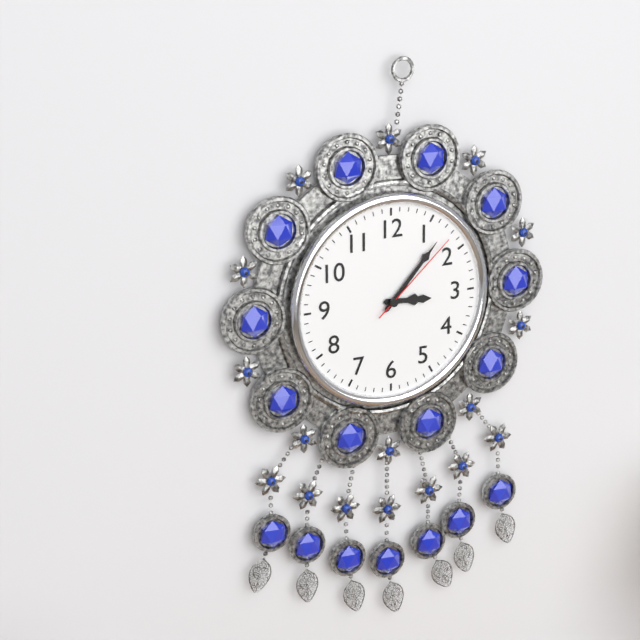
3:07:08
